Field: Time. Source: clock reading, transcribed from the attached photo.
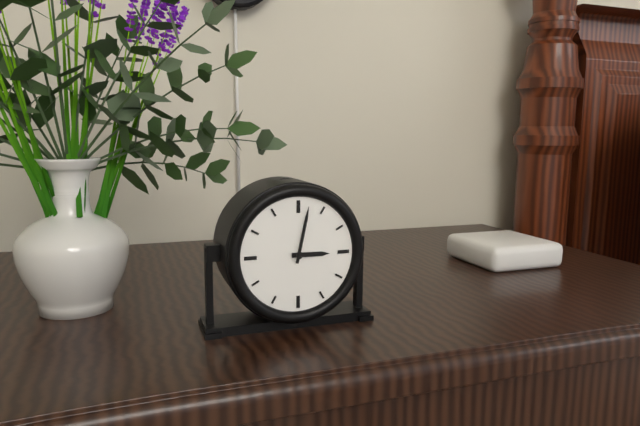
3:02
